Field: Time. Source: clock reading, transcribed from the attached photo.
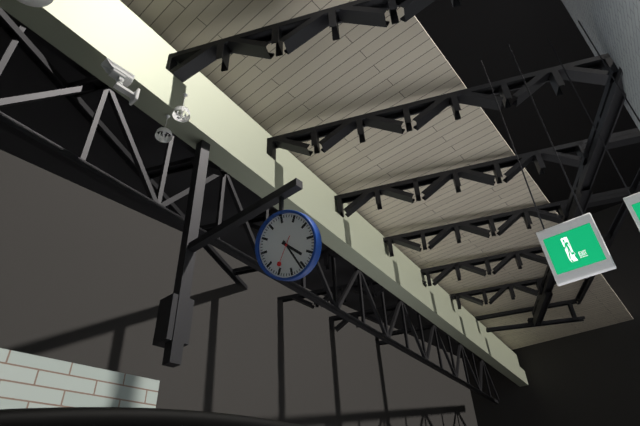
4:26
